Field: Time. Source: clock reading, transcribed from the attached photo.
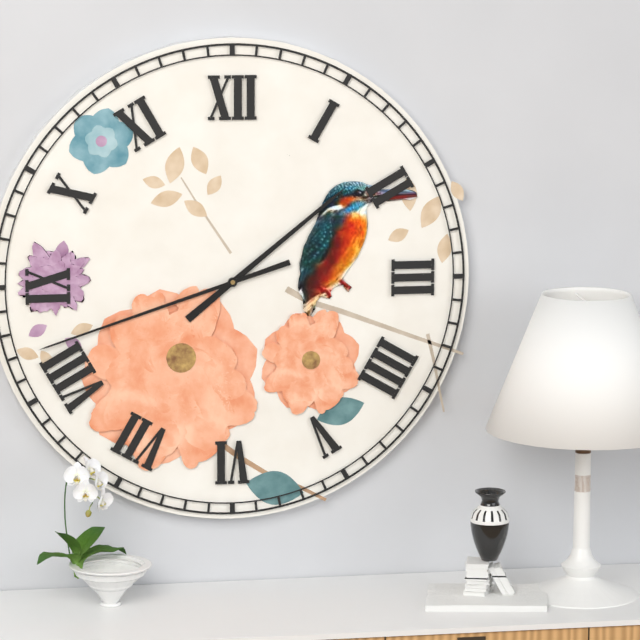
1:42
